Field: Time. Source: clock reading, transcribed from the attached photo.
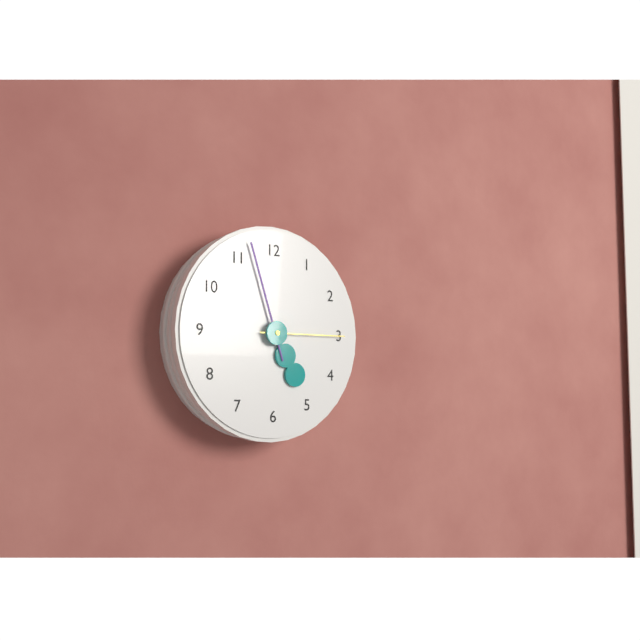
4:57:15
